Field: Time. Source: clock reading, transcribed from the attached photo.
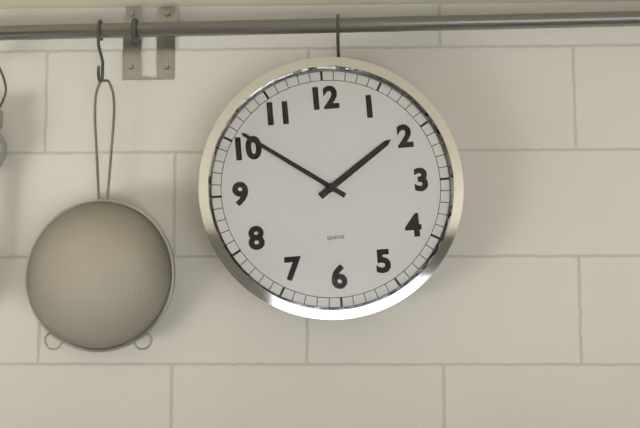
1:51
